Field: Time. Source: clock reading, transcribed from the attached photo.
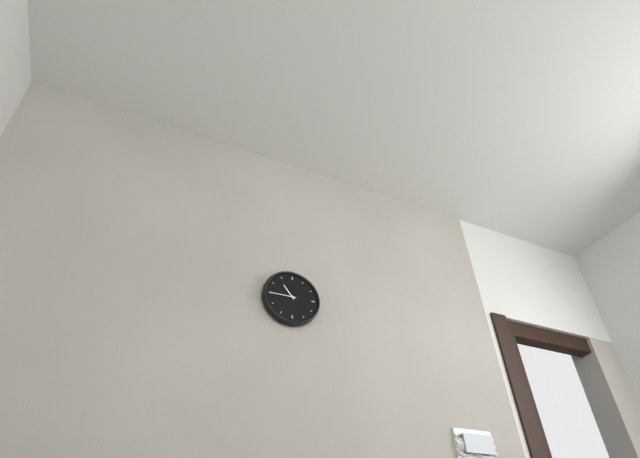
10:45
